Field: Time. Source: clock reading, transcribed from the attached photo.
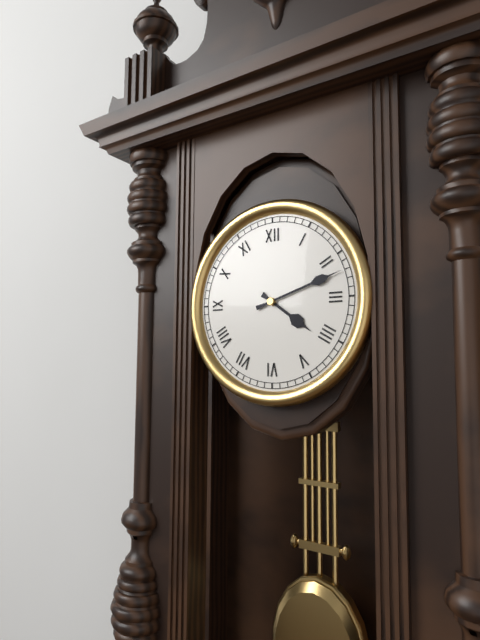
4:12
